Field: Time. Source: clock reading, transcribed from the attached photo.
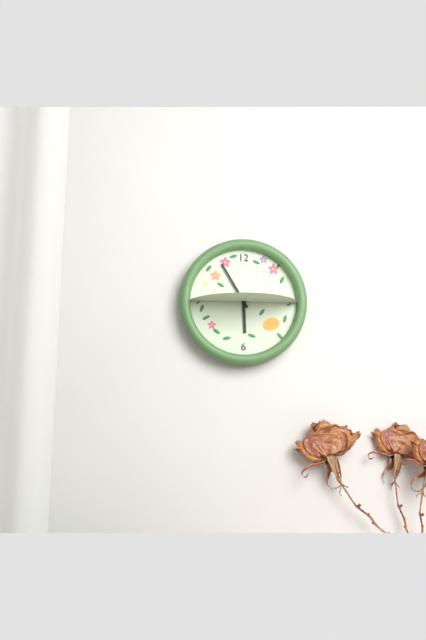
5:55
